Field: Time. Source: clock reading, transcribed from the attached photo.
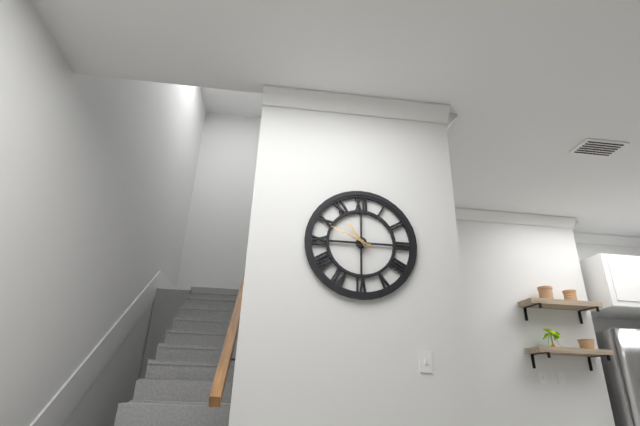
10:49
